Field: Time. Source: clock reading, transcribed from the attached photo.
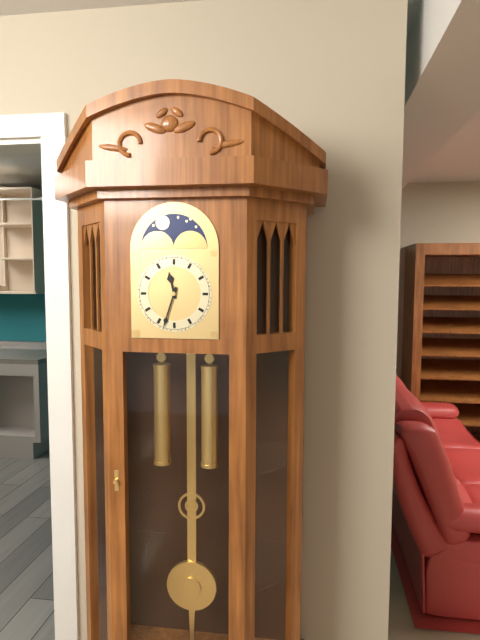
11:33
